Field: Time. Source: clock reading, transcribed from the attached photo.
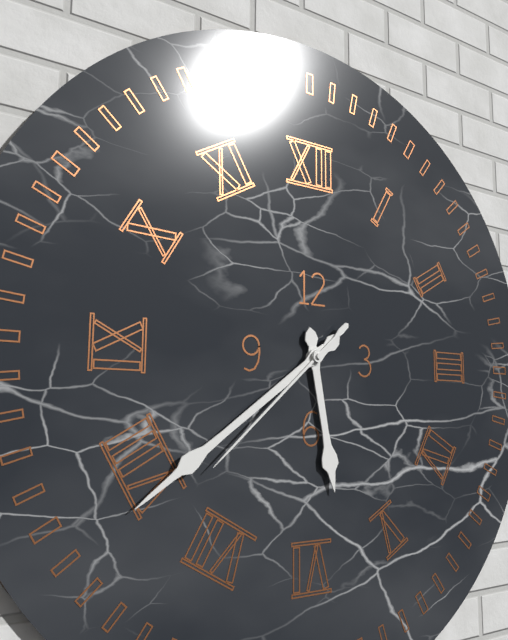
5:39:38
